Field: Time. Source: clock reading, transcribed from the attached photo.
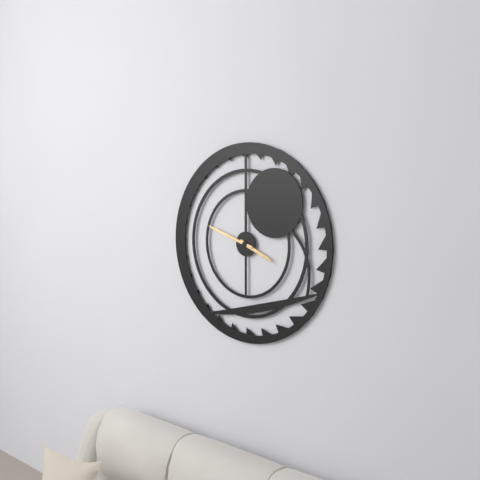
3:48
